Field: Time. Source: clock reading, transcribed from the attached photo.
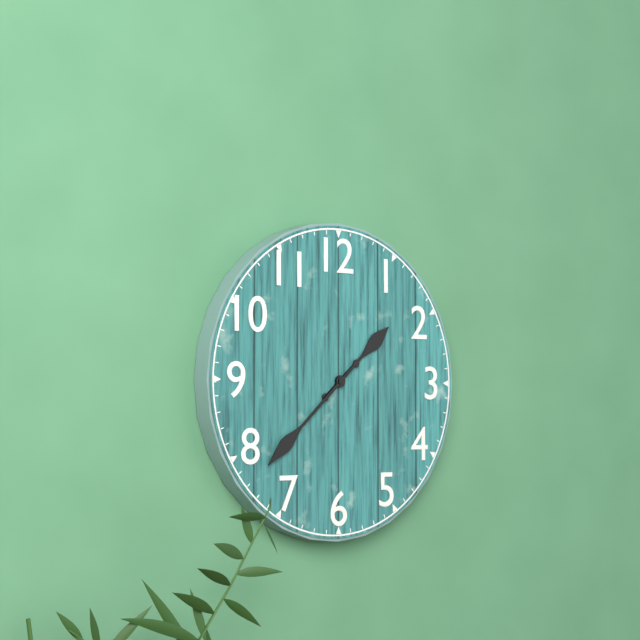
1:38
